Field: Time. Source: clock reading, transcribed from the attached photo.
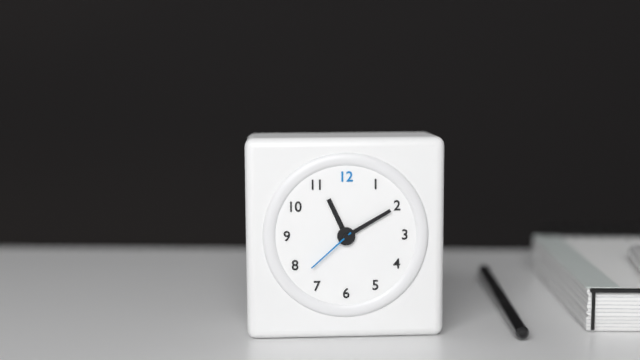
11:10:38
